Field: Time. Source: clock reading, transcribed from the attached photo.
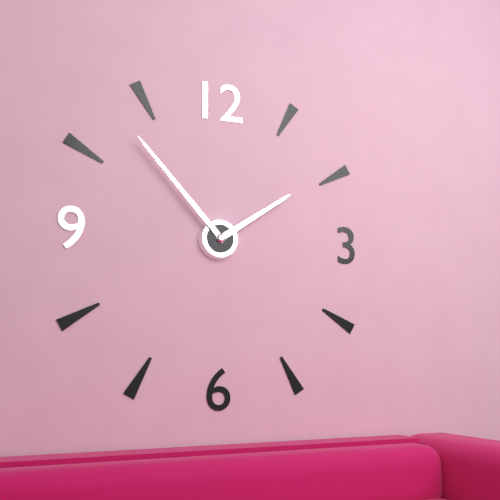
1:53
